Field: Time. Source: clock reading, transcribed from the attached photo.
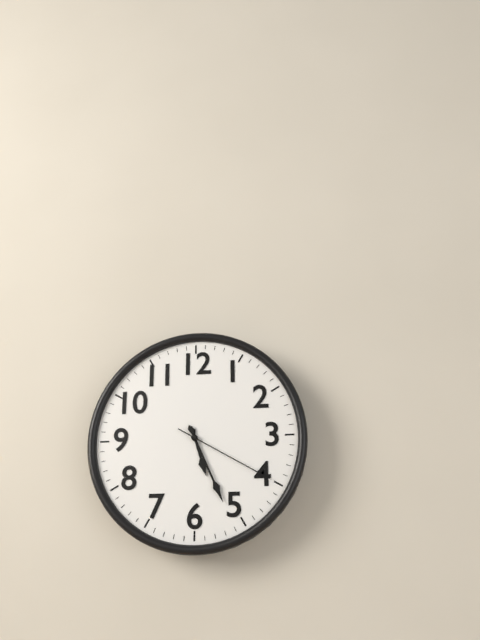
5:26:20
